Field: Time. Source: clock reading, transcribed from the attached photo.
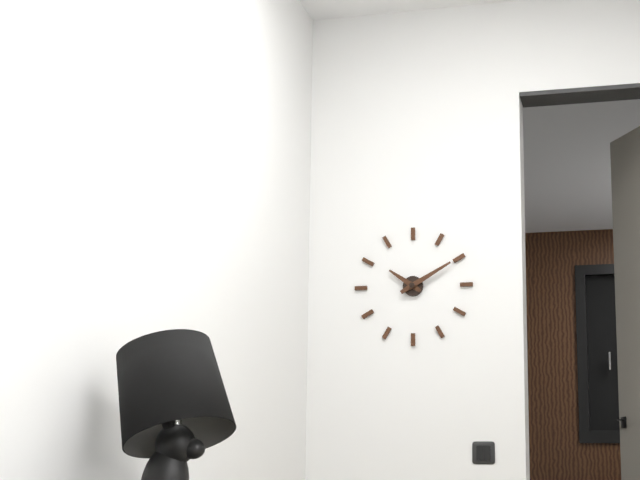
10:10
